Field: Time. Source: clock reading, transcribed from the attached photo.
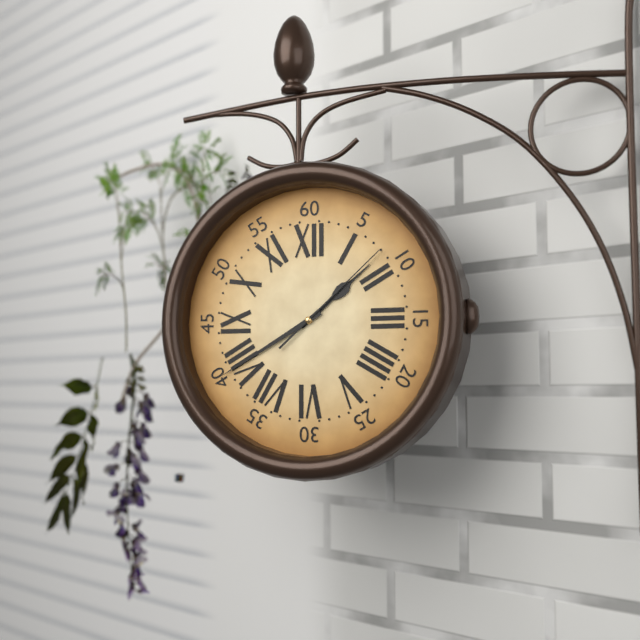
1:40:08
